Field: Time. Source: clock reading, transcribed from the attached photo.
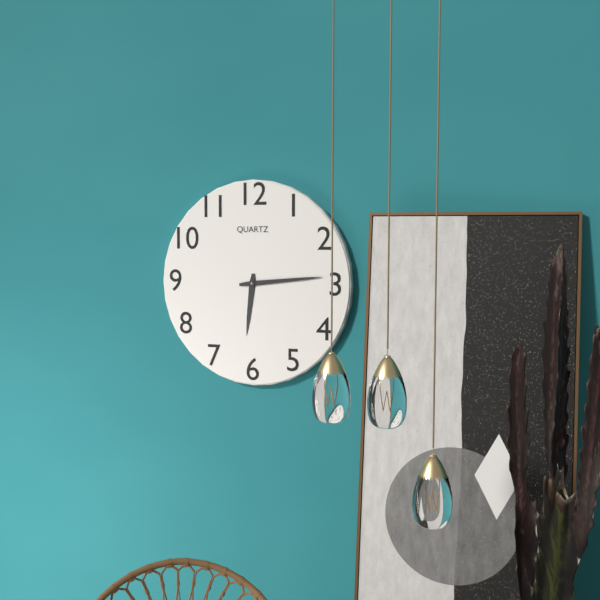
6:14
